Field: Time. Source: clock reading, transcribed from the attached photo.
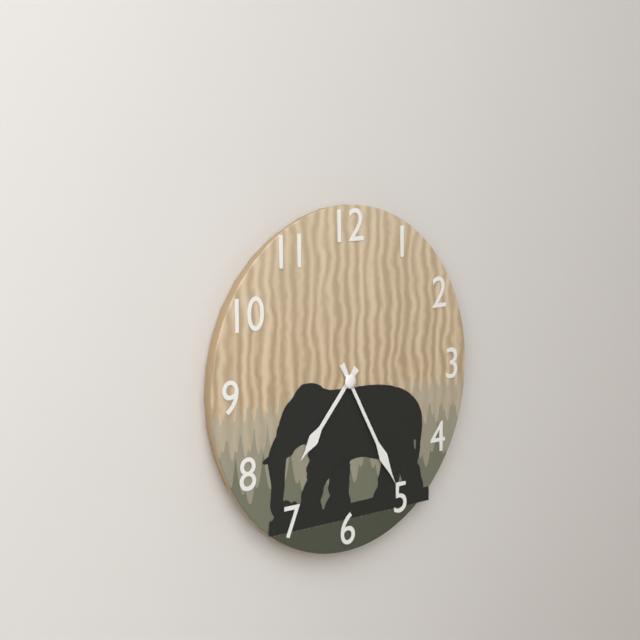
7:25
